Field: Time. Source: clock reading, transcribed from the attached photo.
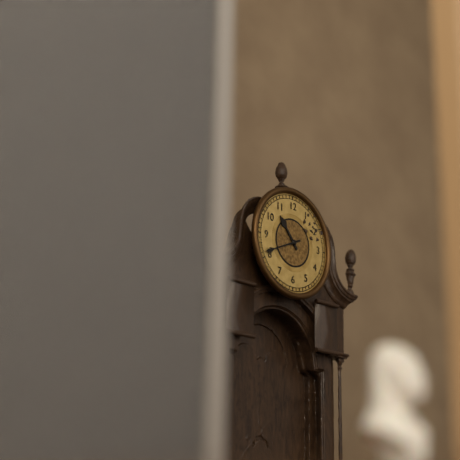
10:41
